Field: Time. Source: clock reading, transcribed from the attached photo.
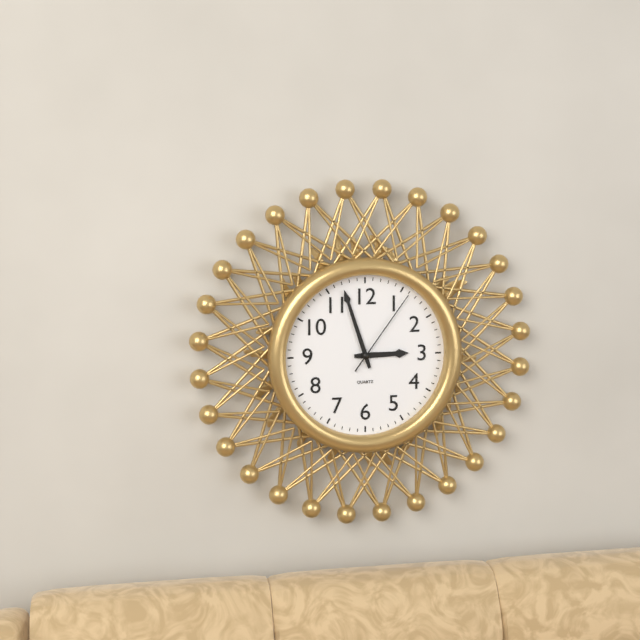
2:57:06
